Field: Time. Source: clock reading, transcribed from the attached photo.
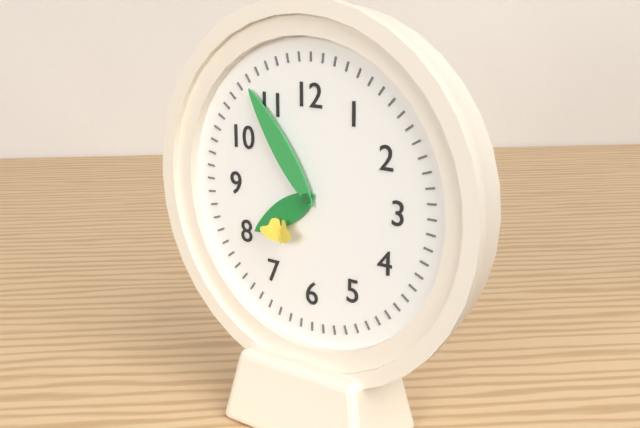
7:54
